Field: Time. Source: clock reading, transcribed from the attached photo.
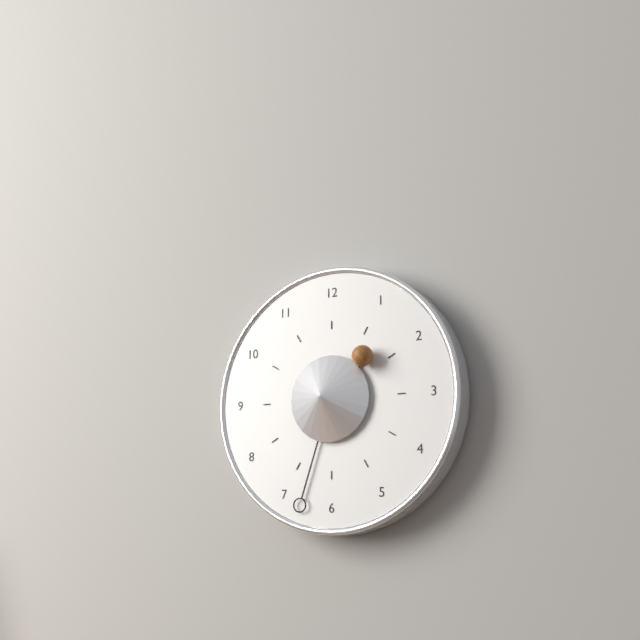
1:33
